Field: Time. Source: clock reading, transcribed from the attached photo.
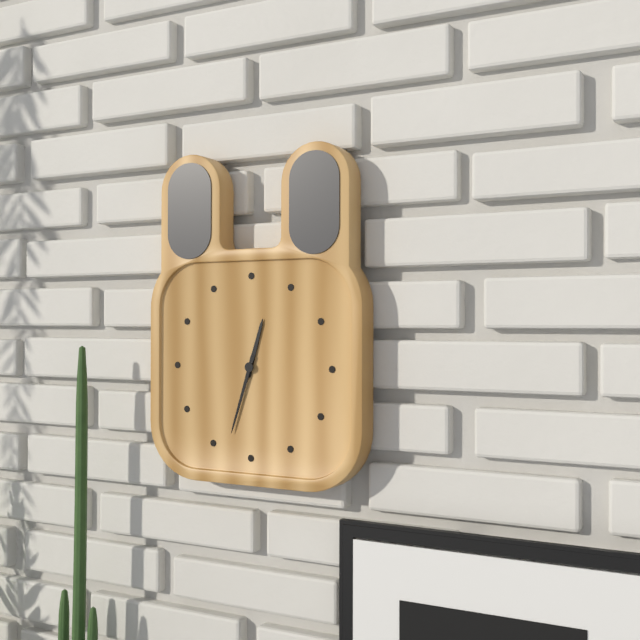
12:33
